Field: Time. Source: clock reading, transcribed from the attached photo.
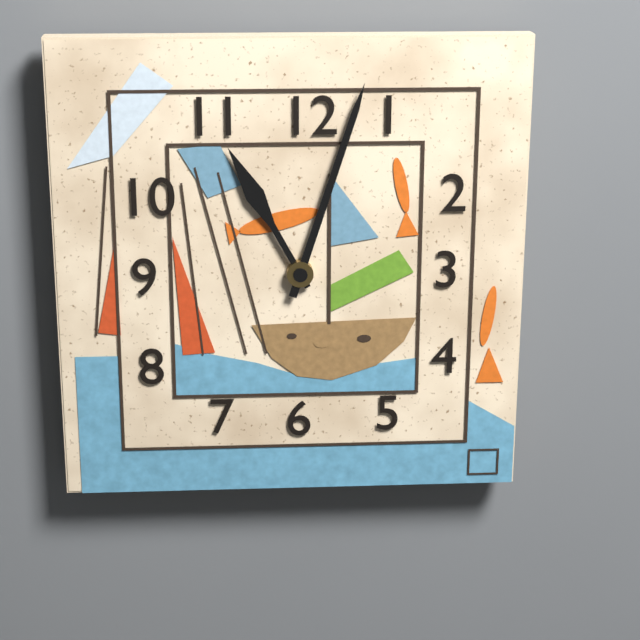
11:03
